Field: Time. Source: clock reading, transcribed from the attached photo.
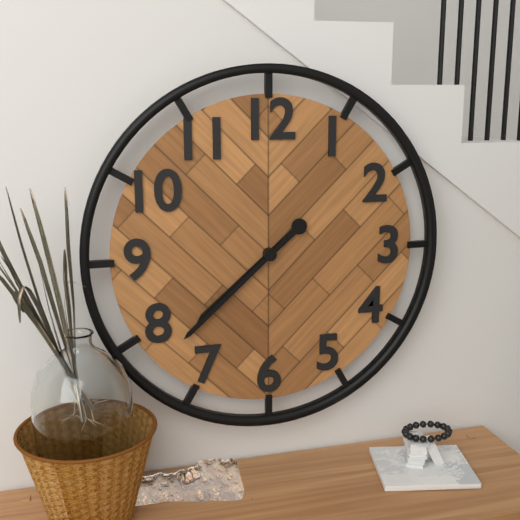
7:38
